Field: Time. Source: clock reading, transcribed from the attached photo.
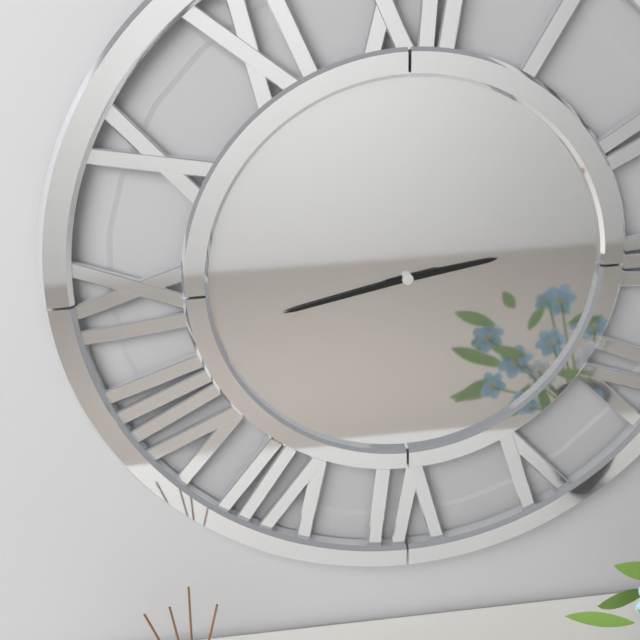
2:43
